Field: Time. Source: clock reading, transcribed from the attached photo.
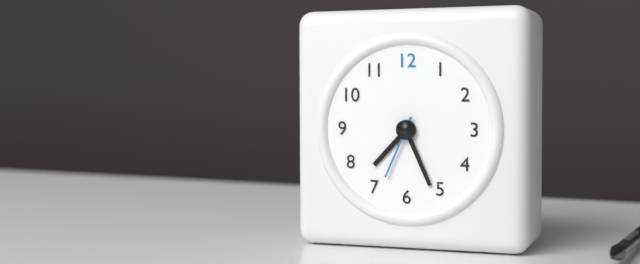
7:26:34
